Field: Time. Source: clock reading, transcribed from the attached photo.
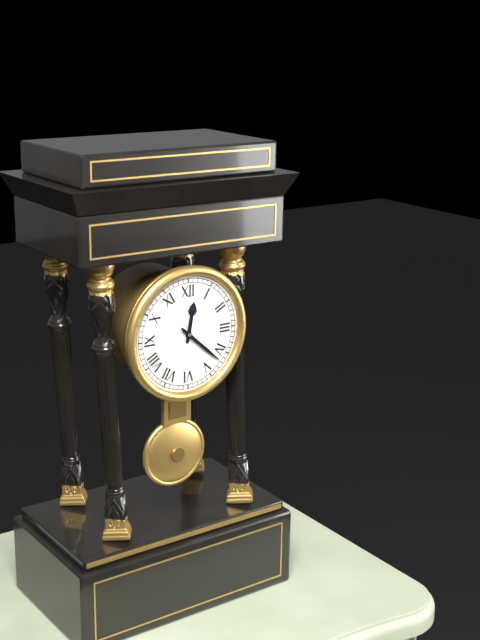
12:22
